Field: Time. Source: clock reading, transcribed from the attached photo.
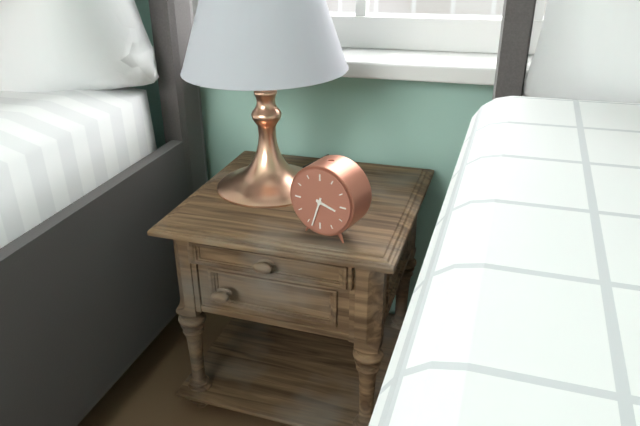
3:33
